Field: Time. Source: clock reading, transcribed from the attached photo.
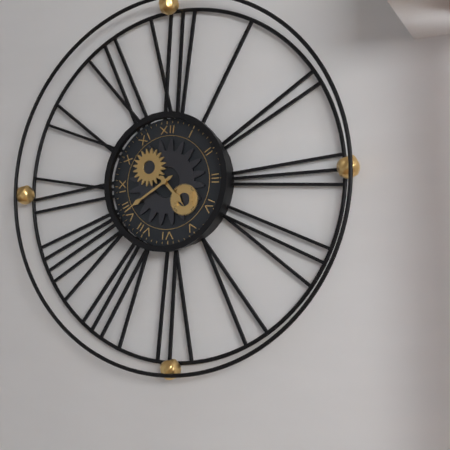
4:40
